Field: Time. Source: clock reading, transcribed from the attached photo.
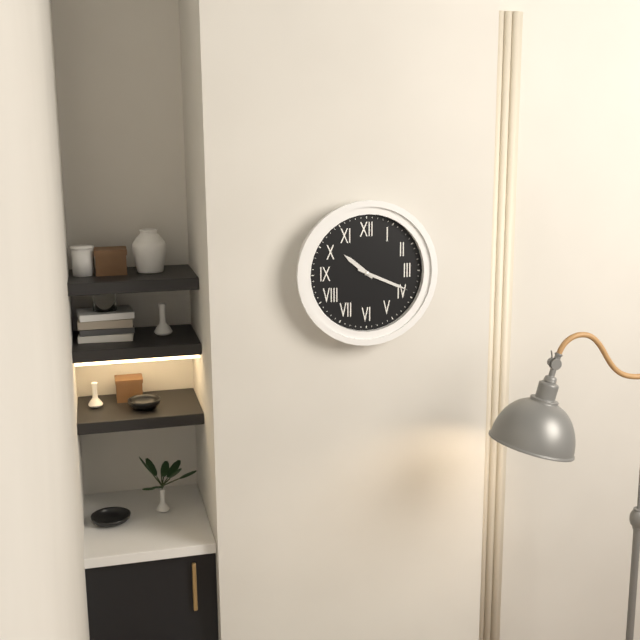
10:19
